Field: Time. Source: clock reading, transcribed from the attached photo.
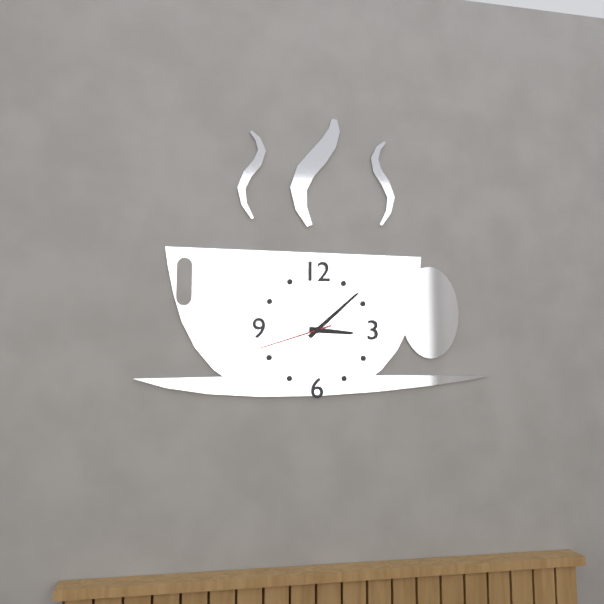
3:08:42
